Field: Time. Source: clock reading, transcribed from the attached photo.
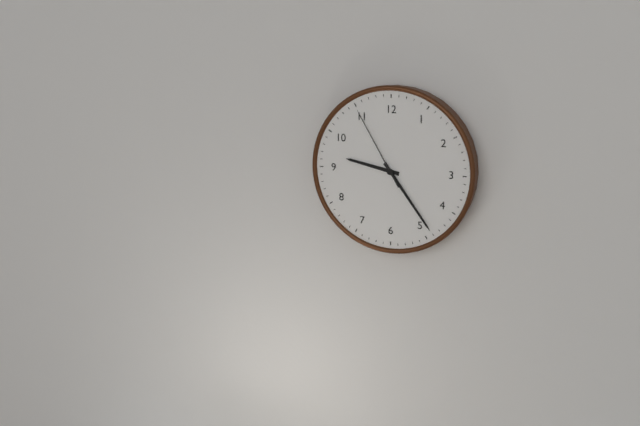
9:24:55
